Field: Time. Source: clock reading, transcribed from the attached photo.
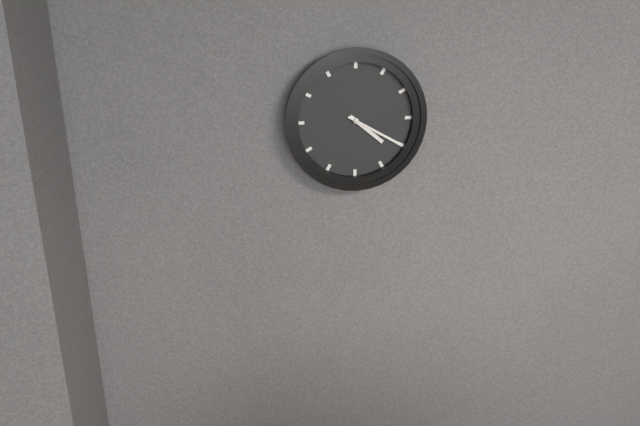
4:20
